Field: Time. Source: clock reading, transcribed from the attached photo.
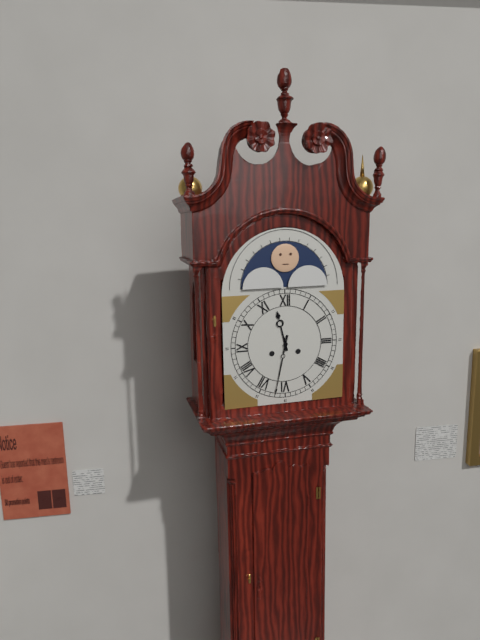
11:32
